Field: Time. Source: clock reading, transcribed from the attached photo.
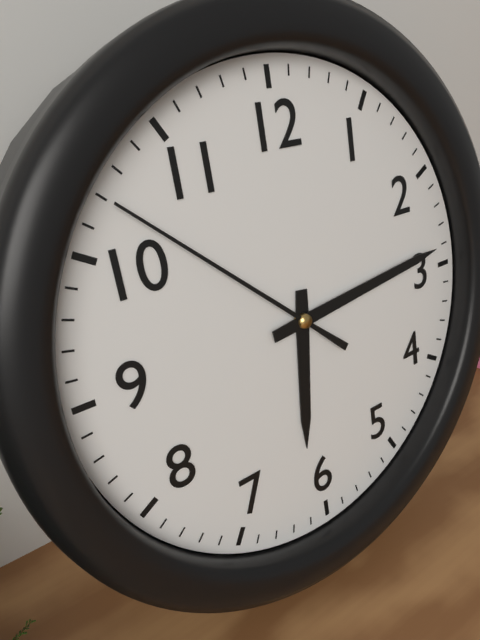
6:14:52
